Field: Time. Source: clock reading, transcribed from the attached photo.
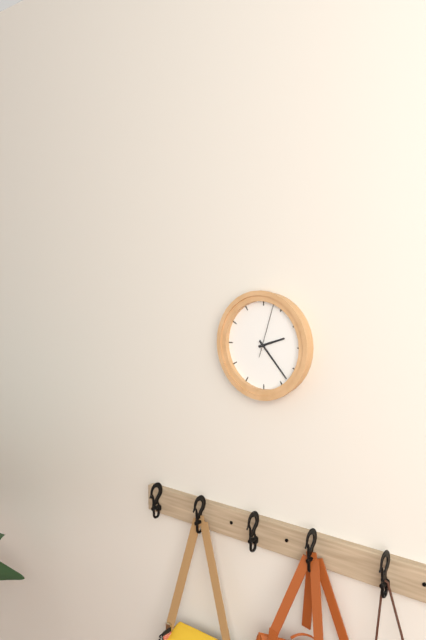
2:23:03
